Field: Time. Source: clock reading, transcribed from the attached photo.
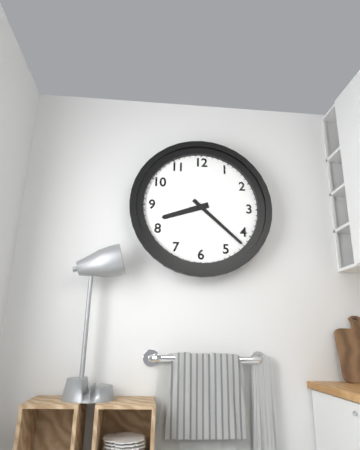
8:22
